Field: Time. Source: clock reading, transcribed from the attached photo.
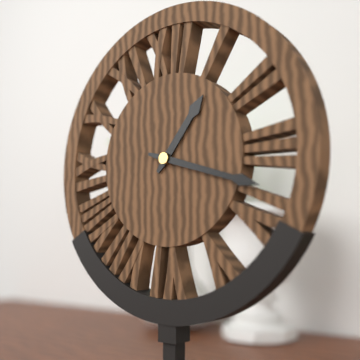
1:18
